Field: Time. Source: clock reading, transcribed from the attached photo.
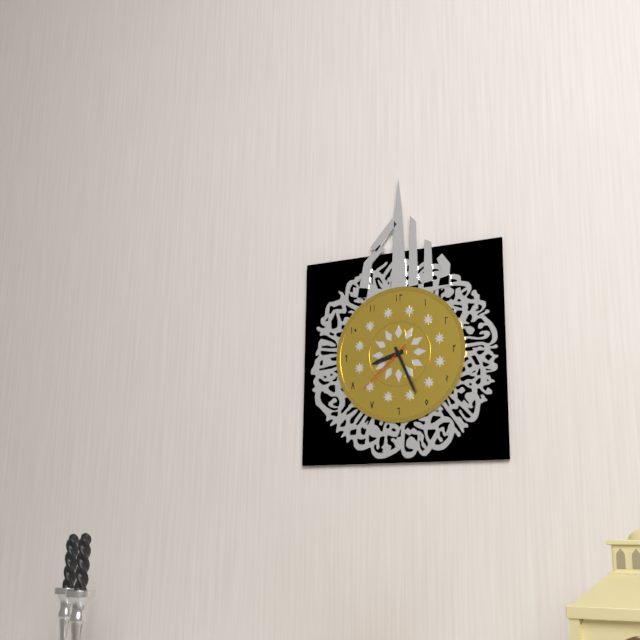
8:26:38
